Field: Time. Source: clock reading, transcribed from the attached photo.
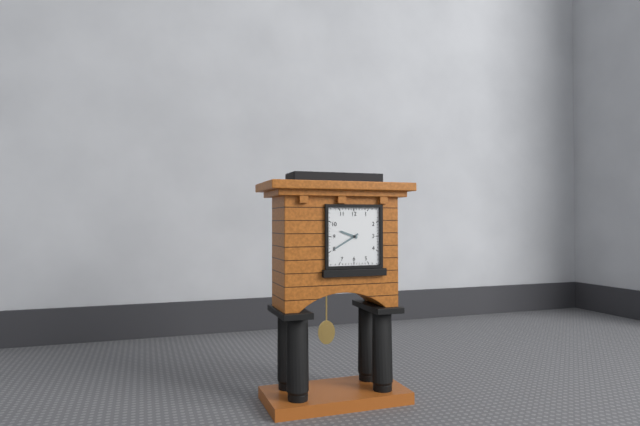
9:40
